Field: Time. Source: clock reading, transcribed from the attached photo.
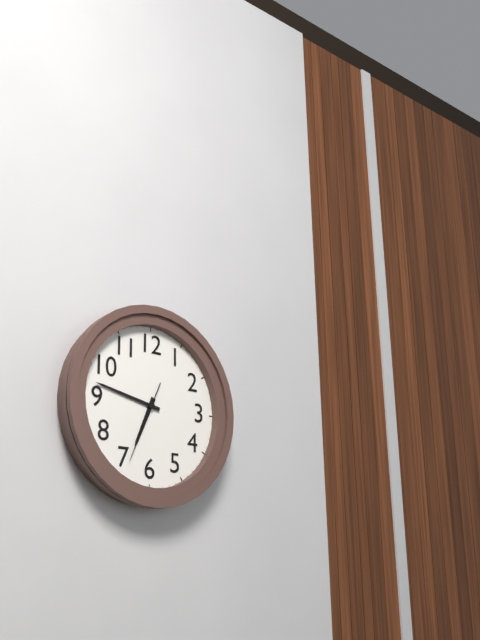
6:47:34
